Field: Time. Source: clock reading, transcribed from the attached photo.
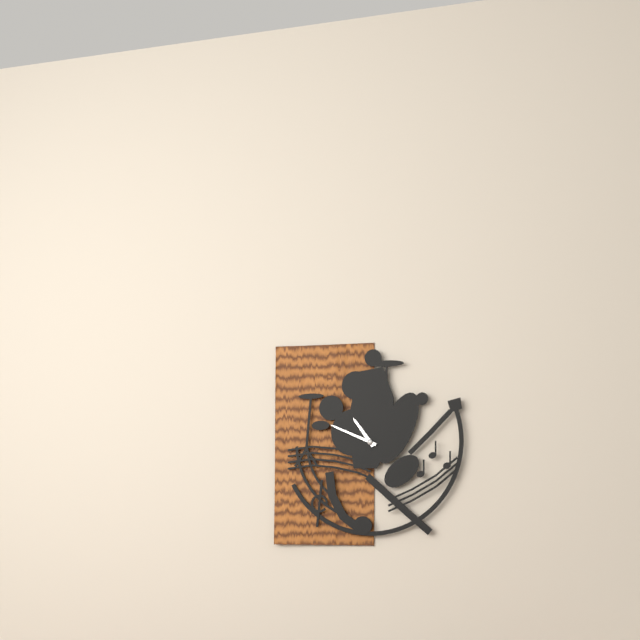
10:49
